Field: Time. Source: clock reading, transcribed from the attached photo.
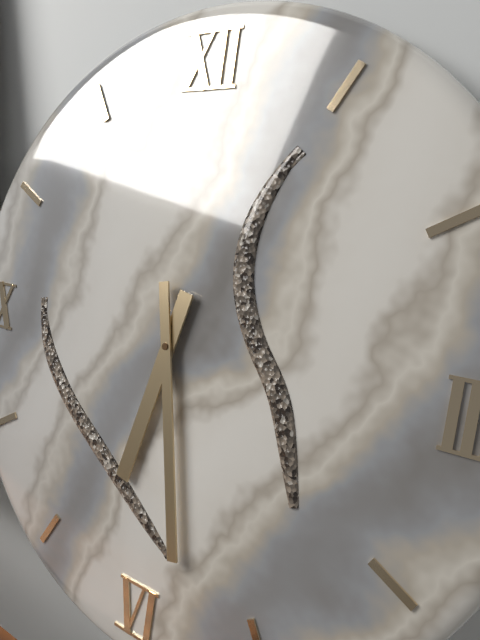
6:28
